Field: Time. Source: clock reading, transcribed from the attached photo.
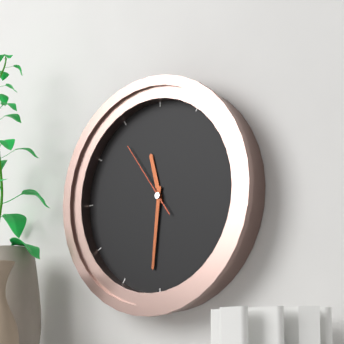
11:31:54
